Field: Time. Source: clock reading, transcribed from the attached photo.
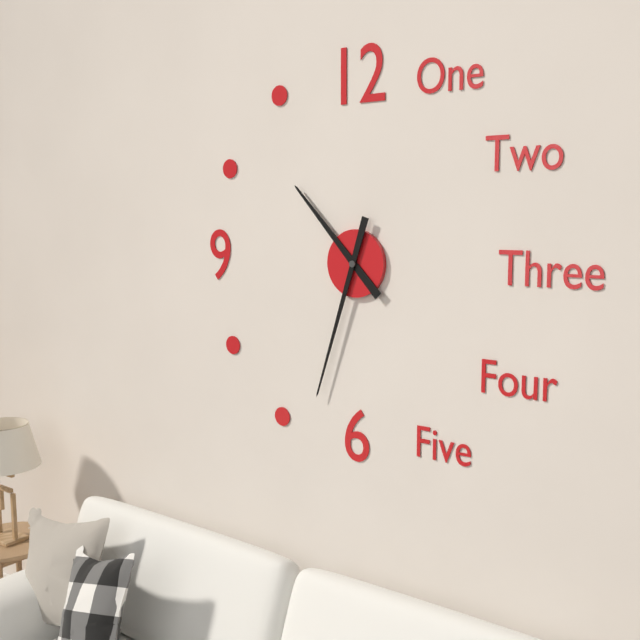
10:33
